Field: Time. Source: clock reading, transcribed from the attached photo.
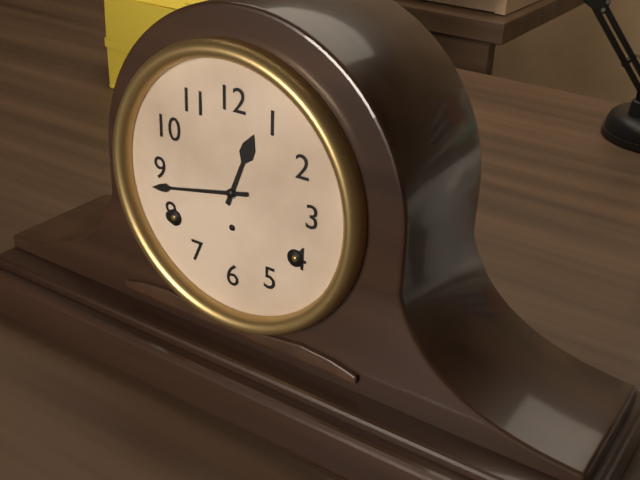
12:43
